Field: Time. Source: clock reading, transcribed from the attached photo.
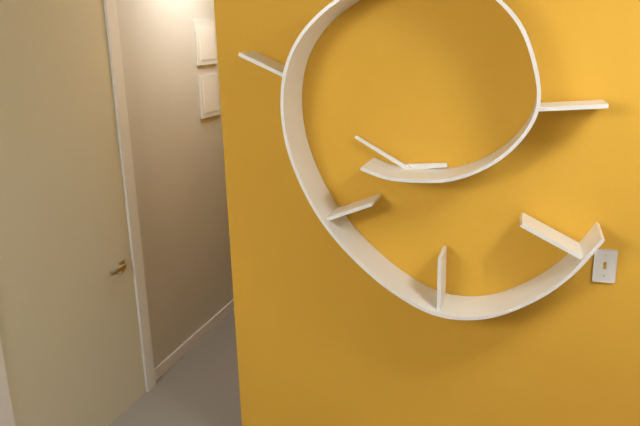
2:50
